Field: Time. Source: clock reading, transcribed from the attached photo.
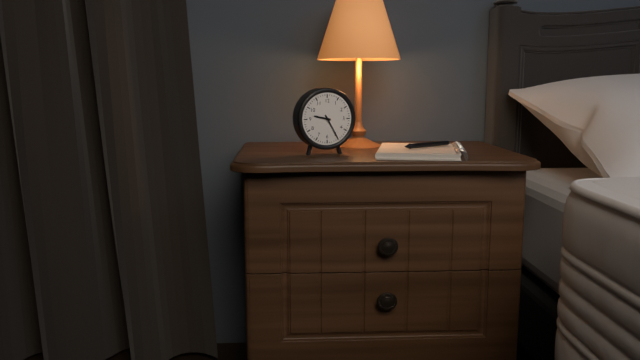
9:25
